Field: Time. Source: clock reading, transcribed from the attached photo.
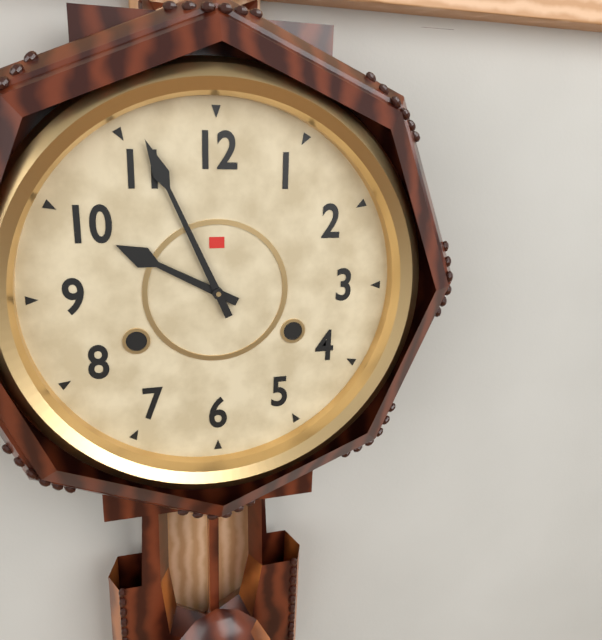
9:56
